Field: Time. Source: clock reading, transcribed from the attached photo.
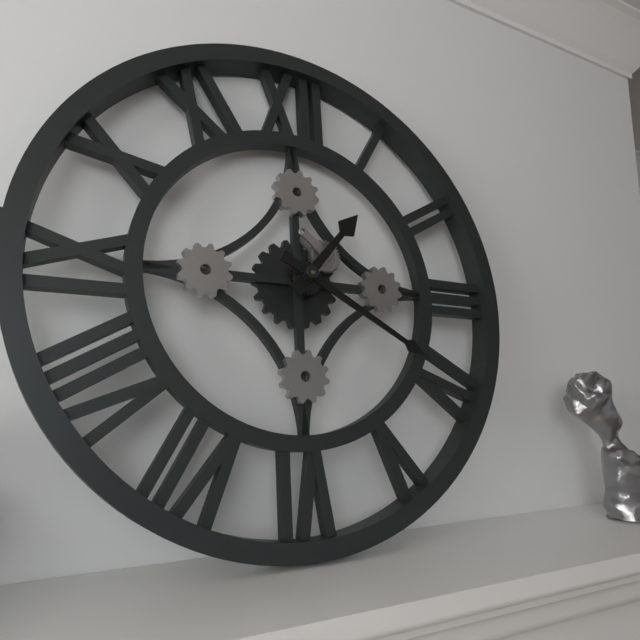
1:20
